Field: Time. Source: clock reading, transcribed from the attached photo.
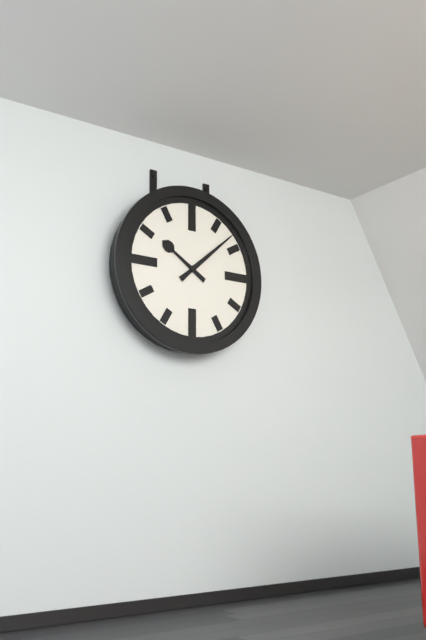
10:08
